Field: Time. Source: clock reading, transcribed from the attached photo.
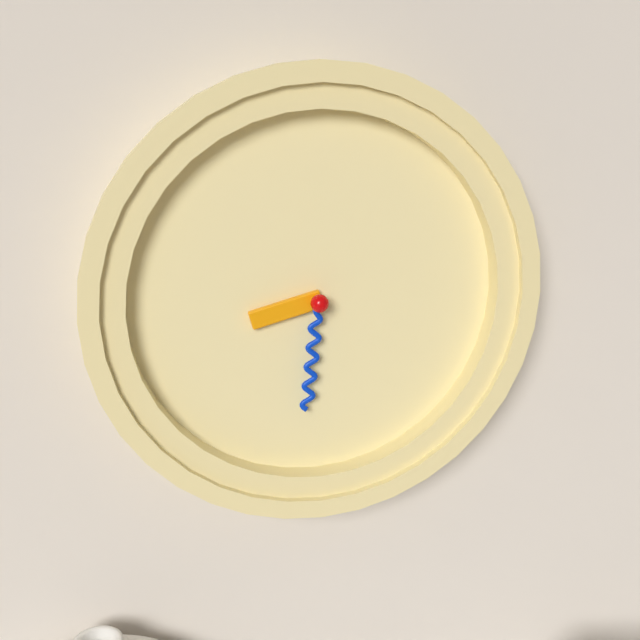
8:31
